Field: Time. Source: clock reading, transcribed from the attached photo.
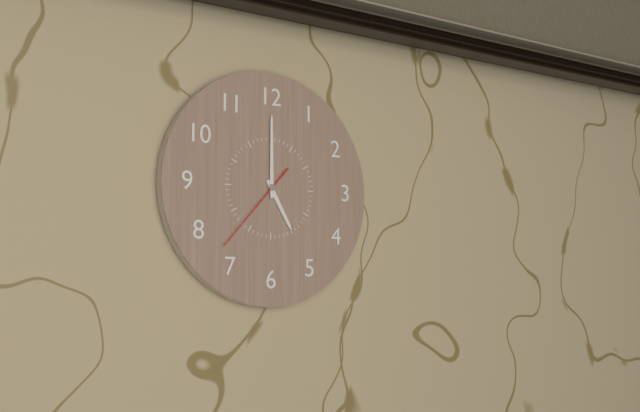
5:00:37
